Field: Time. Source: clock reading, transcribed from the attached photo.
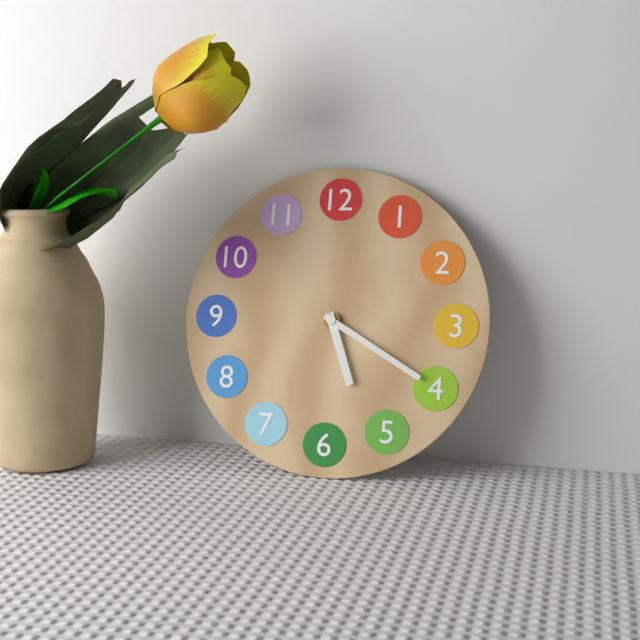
5:20
